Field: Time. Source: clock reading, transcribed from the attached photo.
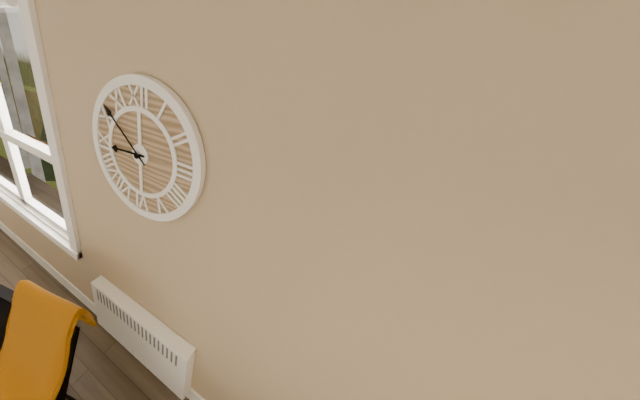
8:52
